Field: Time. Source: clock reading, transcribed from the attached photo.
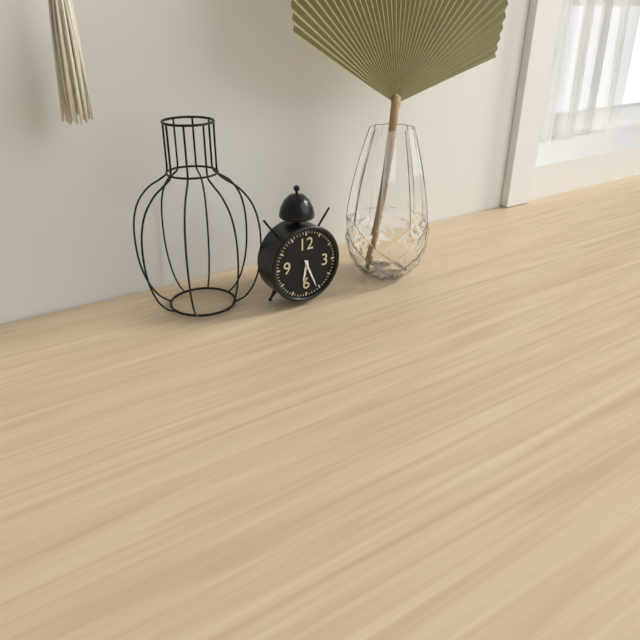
6:26
